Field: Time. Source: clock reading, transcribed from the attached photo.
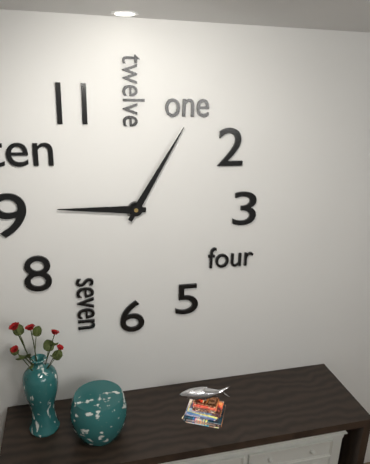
9:05
